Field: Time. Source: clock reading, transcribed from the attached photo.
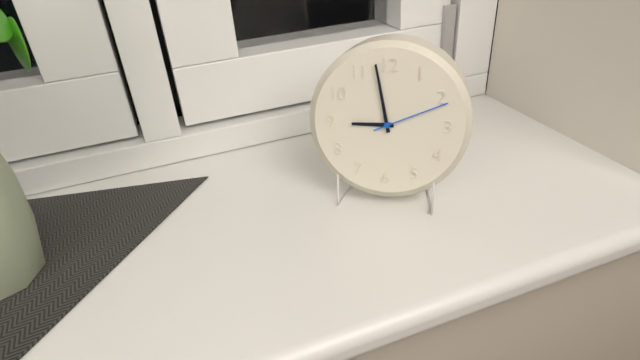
8:58:11
